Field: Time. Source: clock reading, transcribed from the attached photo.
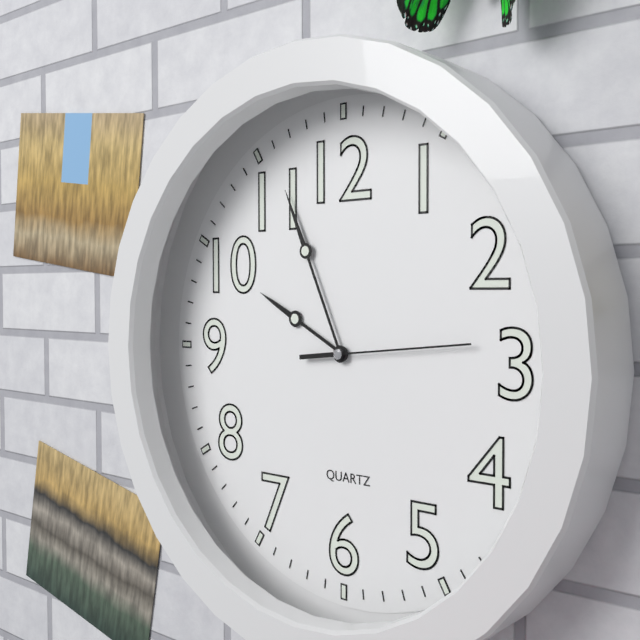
9:56:14
